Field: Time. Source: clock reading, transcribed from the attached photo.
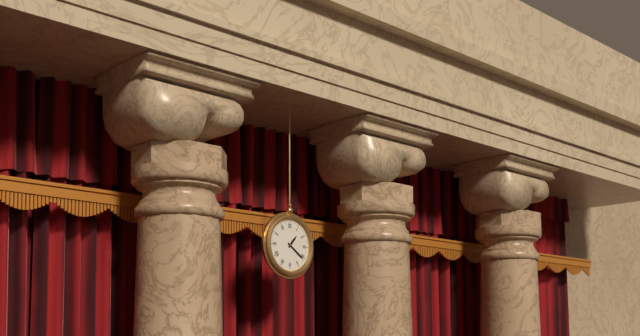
1:21
